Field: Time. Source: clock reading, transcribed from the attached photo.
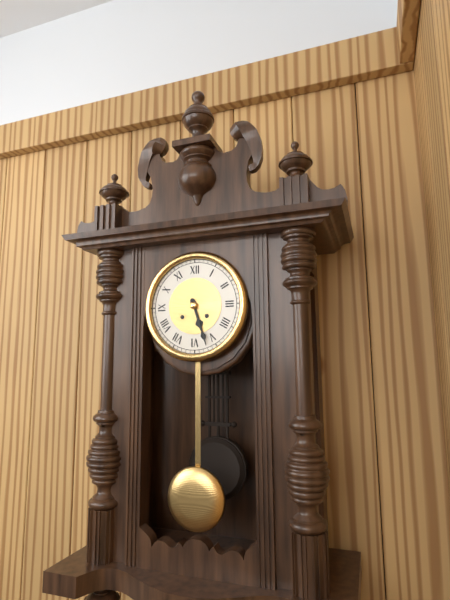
5:27
